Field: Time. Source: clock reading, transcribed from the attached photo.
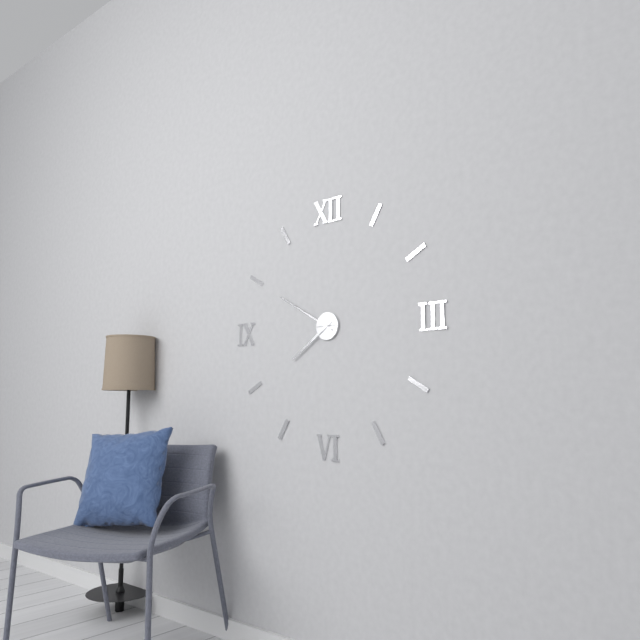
7:50
